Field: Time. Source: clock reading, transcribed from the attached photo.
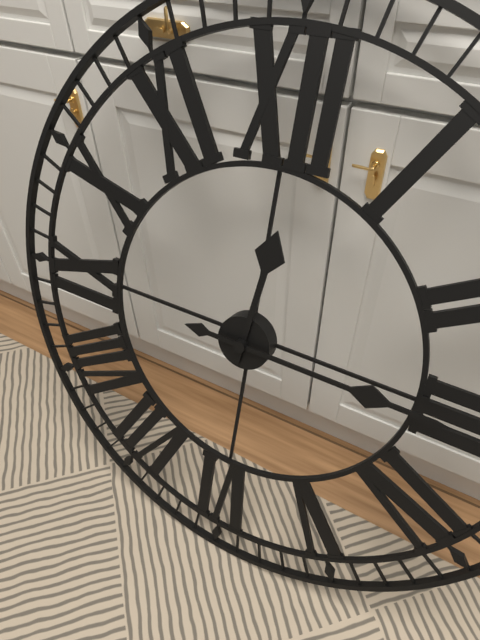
12:15
